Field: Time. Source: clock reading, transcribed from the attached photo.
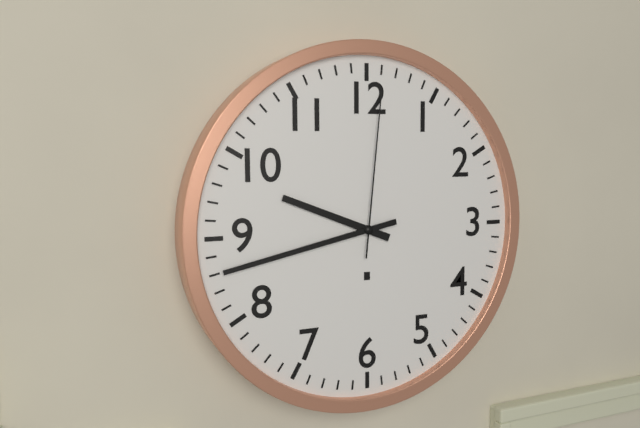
9:43:01
